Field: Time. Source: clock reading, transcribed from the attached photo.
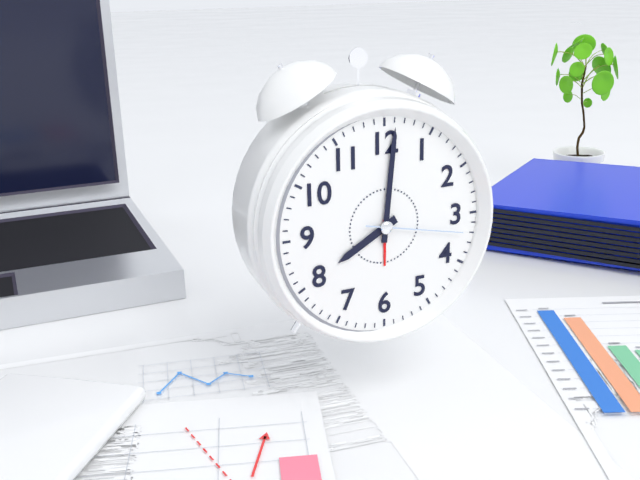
8:01:17
